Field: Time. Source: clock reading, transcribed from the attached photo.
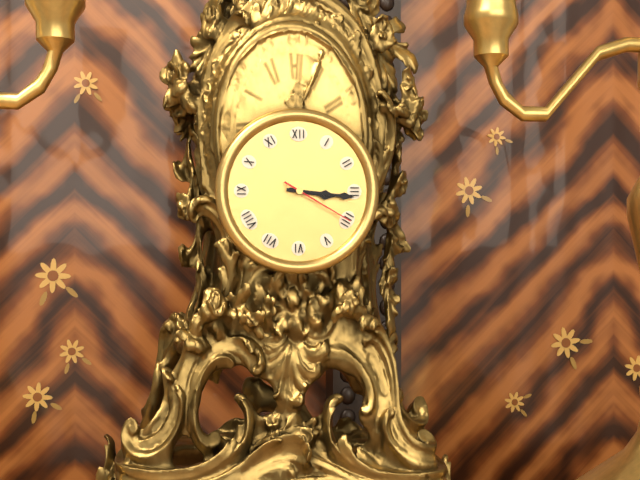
3:16:20
